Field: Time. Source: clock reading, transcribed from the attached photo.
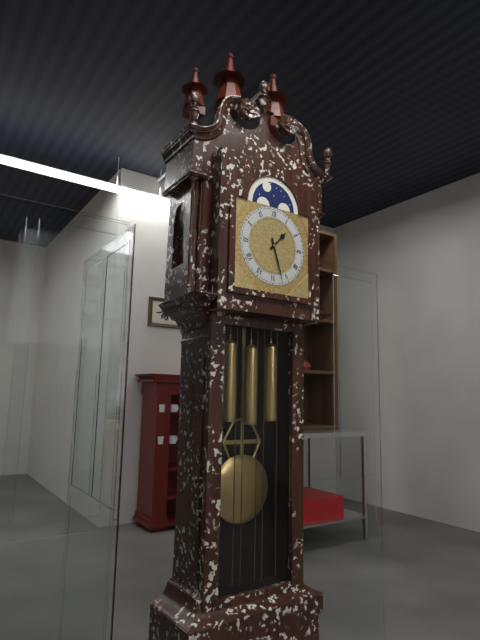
1:27
